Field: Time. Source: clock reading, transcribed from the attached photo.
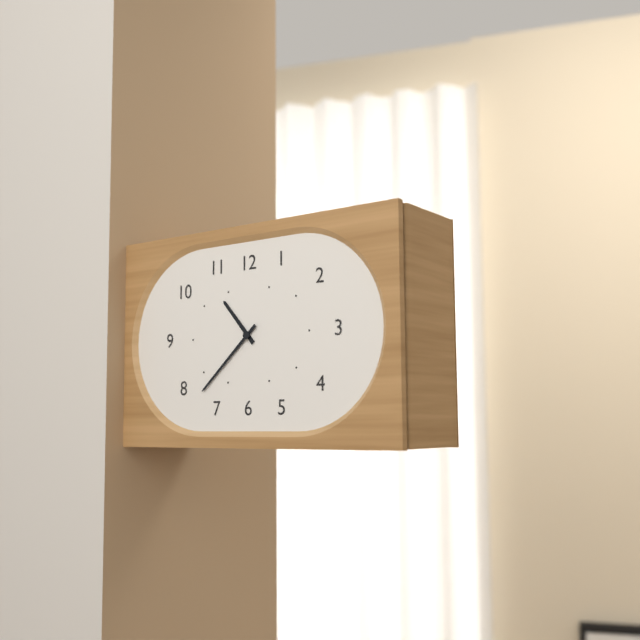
10:38
